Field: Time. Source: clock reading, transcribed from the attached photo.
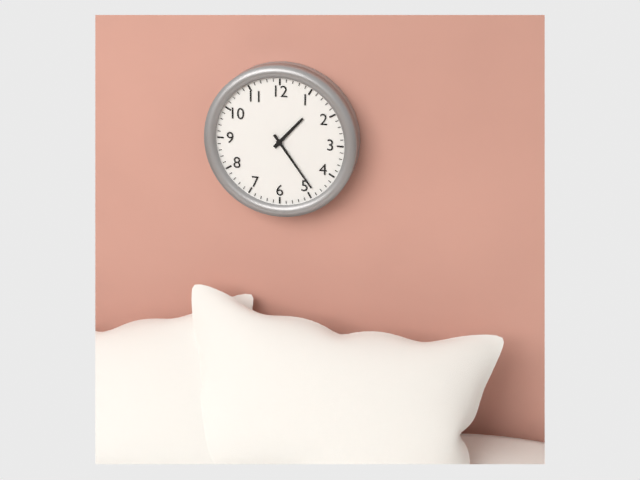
1:24
